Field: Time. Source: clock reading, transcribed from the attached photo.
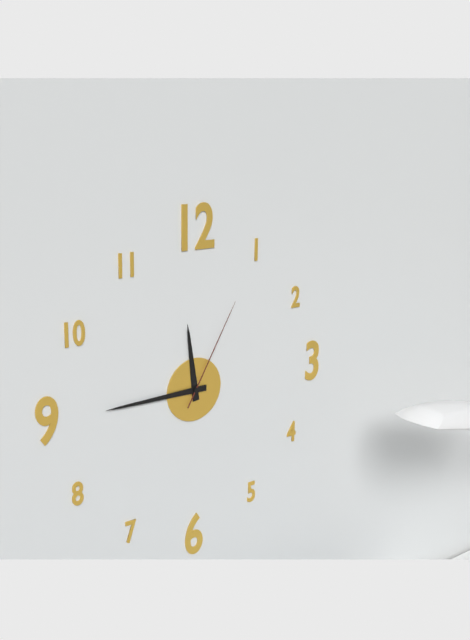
11:45:05
